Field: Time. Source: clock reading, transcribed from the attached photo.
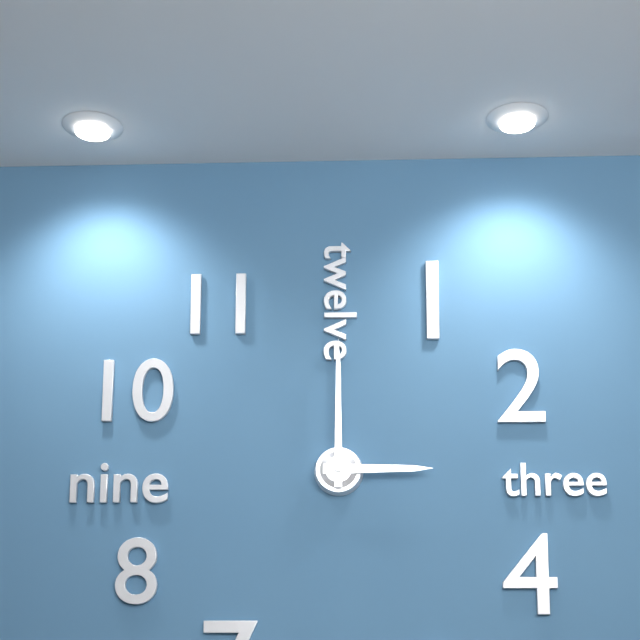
3:00
